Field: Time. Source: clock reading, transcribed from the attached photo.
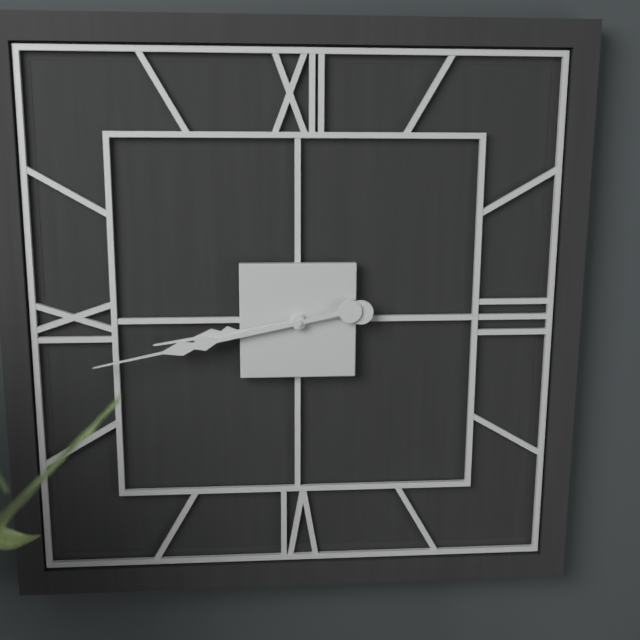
8:43
